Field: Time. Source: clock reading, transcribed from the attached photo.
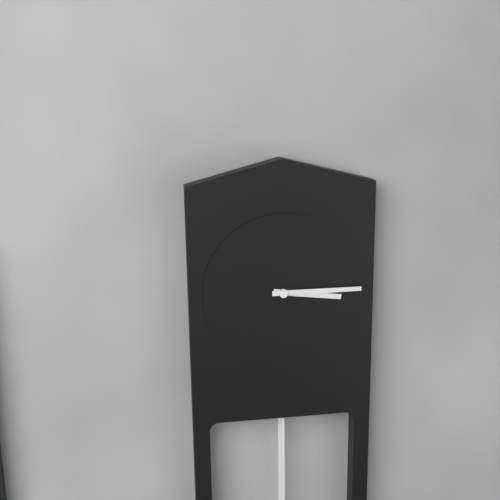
3:15
